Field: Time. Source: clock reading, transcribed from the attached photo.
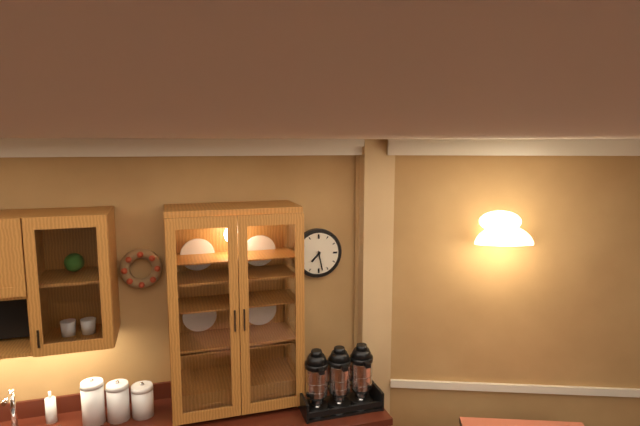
7:28
